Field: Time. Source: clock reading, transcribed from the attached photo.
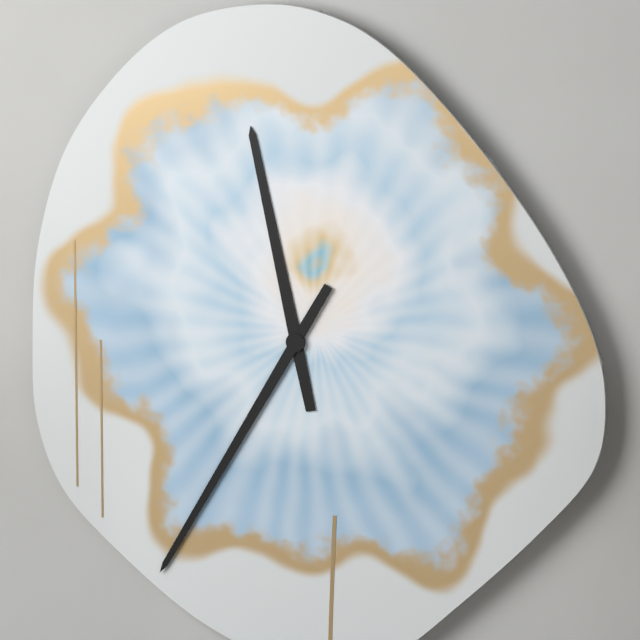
11:35
